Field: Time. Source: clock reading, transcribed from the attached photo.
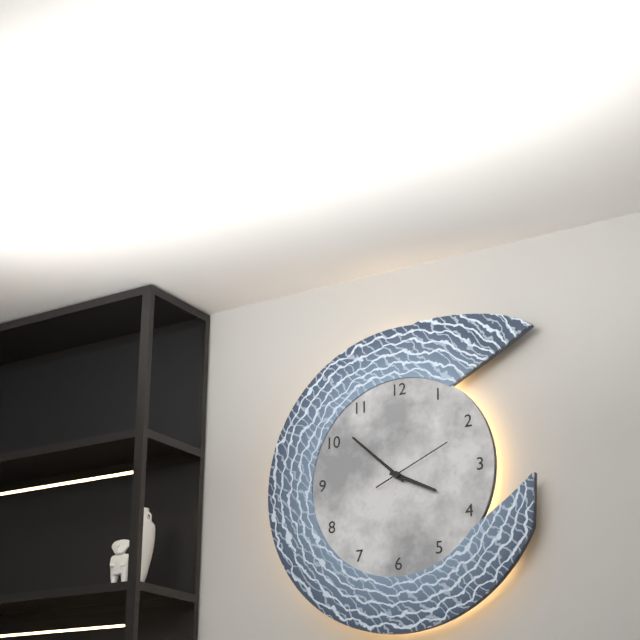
3:52:11
